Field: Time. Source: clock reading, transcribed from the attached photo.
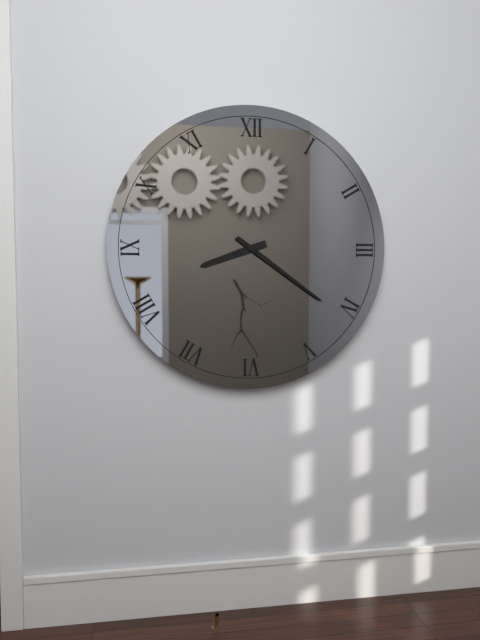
8:21
